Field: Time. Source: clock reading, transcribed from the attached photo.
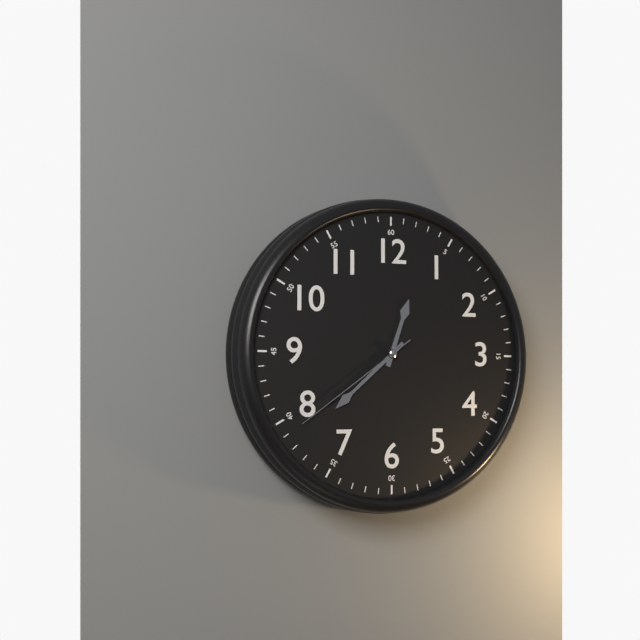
12:38:39
